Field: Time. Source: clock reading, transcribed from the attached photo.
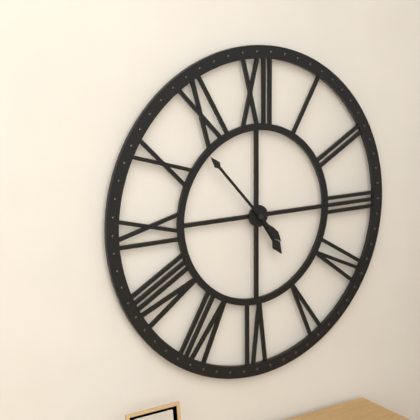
4:53
